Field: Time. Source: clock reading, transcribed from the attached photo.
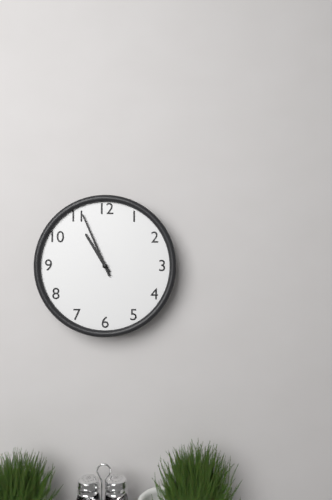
10:56
